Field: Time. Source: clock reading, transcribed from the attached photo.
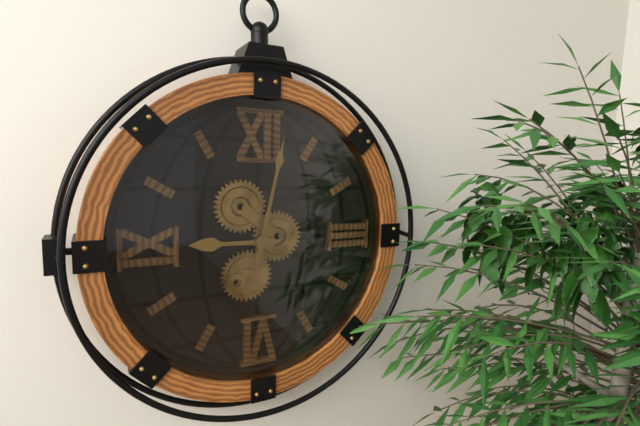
9:02
